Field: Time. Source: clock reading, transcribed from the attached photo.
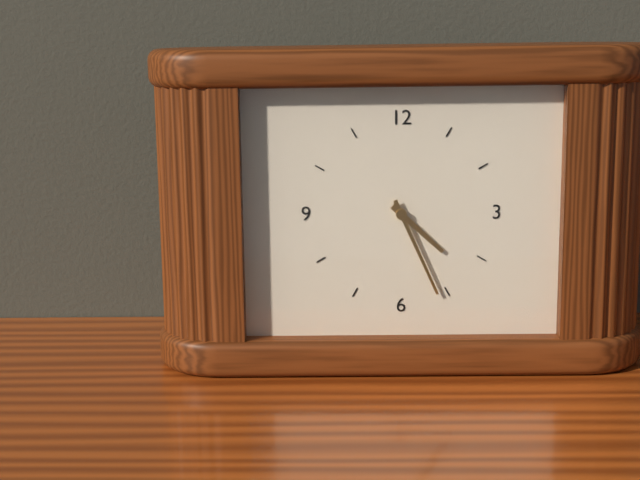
4:26
